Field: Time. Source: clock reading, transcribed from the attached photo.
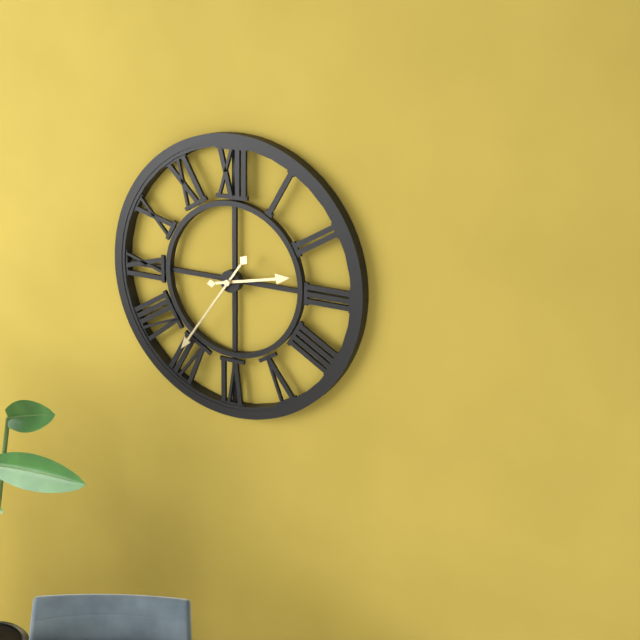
2:36
